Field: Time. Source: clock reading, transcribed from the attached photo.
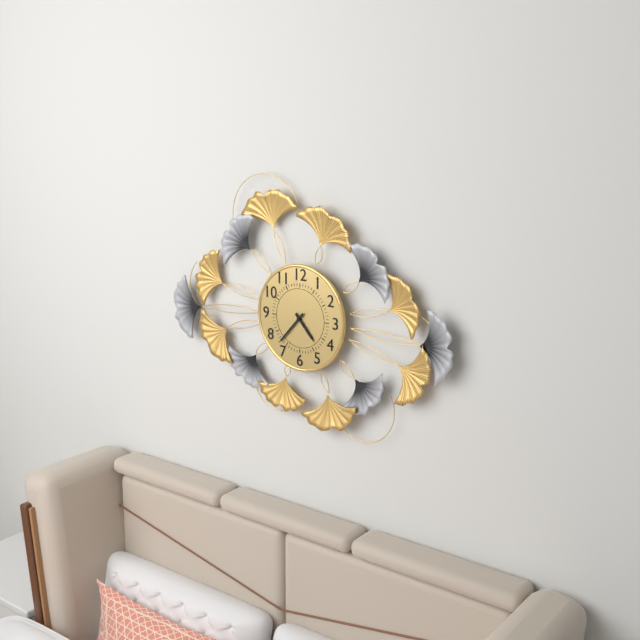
4:37
